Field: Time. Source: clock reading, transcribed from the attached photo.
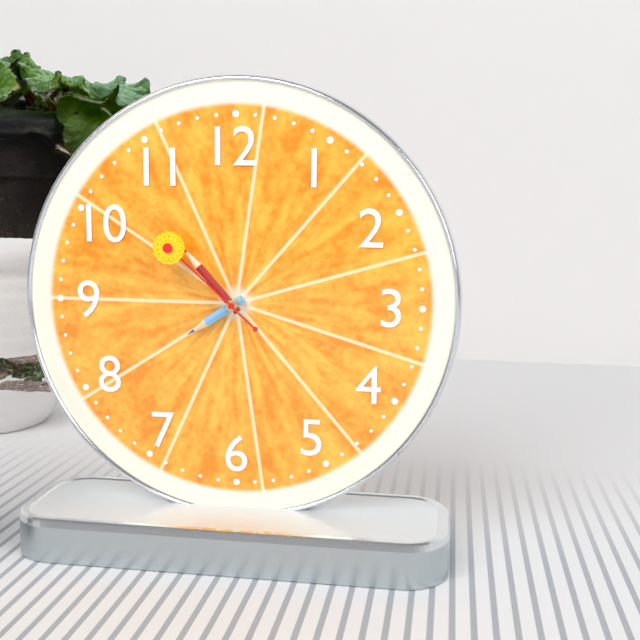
7:53:52
